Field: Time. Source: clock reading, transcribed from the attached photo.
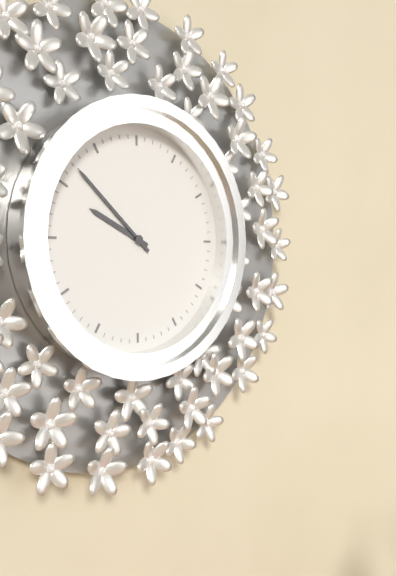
9:52
